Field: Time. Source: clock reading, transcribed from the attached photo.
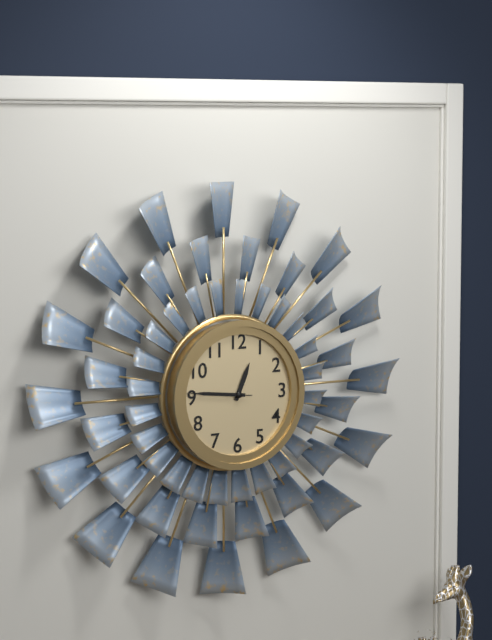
12:46:46
